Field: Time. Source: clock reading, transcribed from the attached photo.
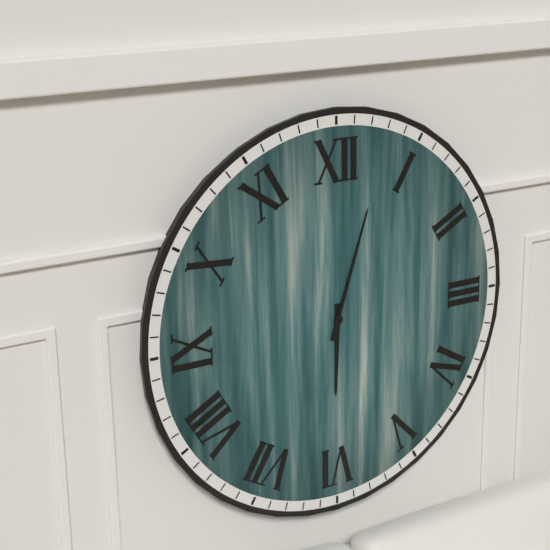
6:03
